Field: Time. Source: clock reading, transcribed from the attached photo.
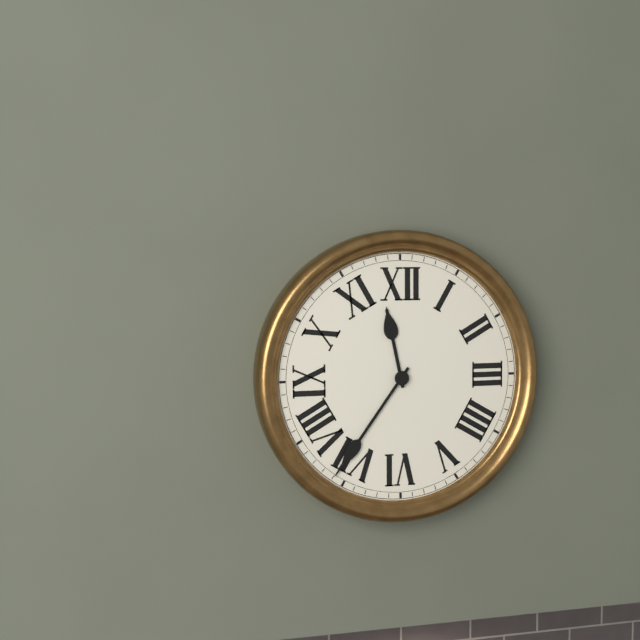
11:36
